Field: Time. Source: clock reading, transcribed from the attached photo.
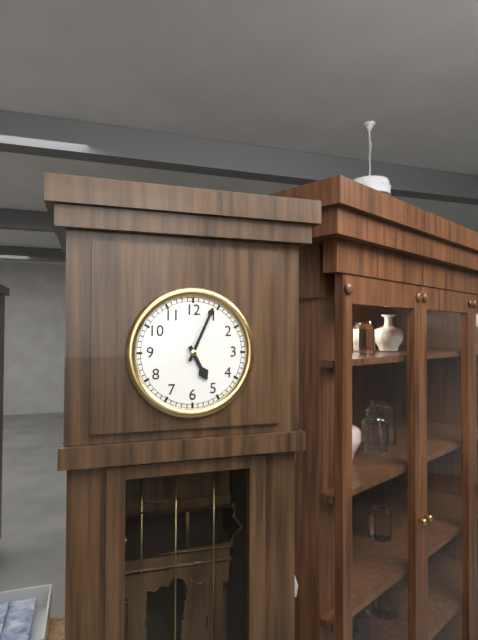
5:04
